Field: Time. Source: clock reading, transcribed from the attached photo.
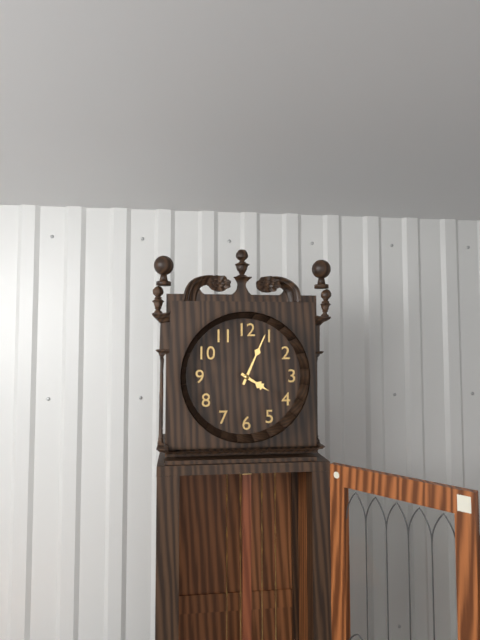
4:04
